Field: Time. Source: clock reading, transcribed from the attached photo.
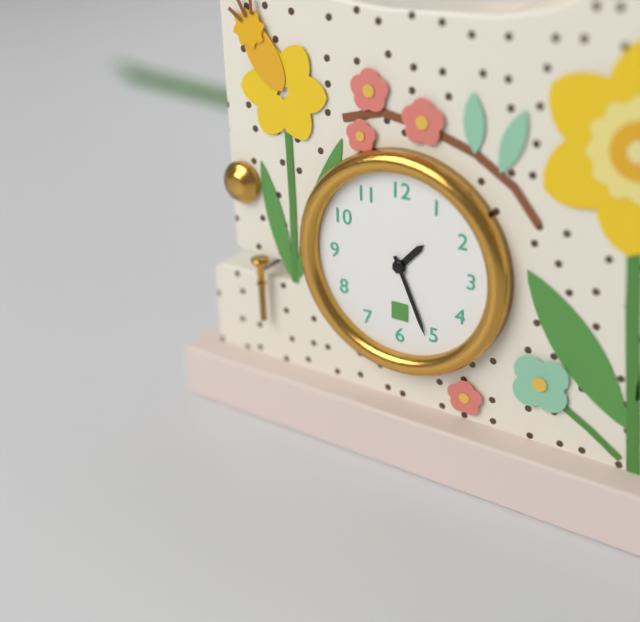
1:26
